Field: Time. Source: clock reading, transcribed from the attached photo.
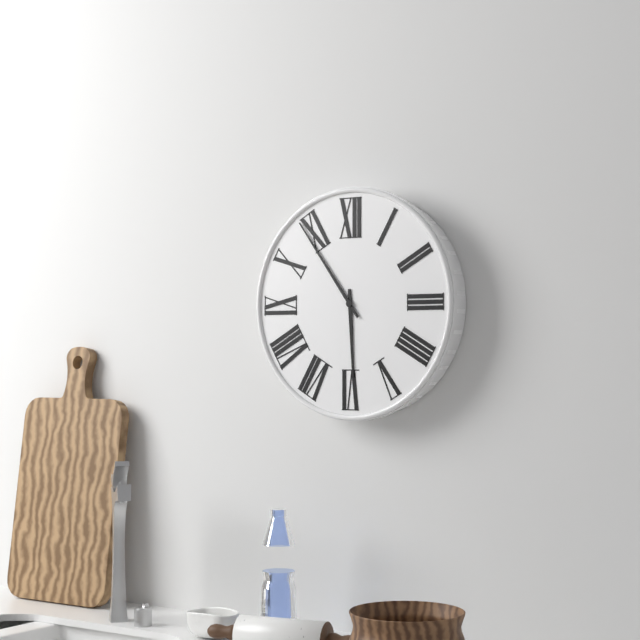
5:54
